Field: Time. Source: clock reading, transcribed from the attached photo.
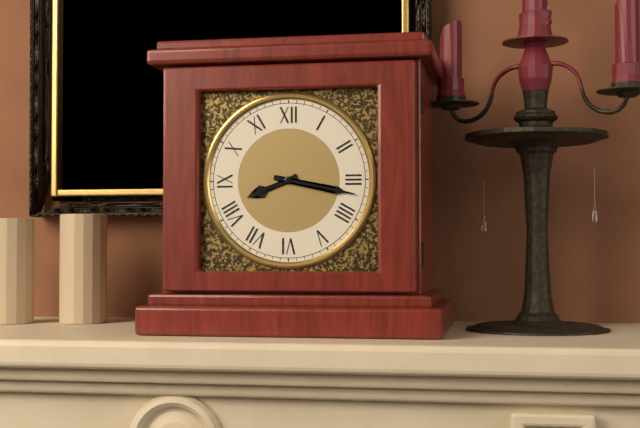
8:17
